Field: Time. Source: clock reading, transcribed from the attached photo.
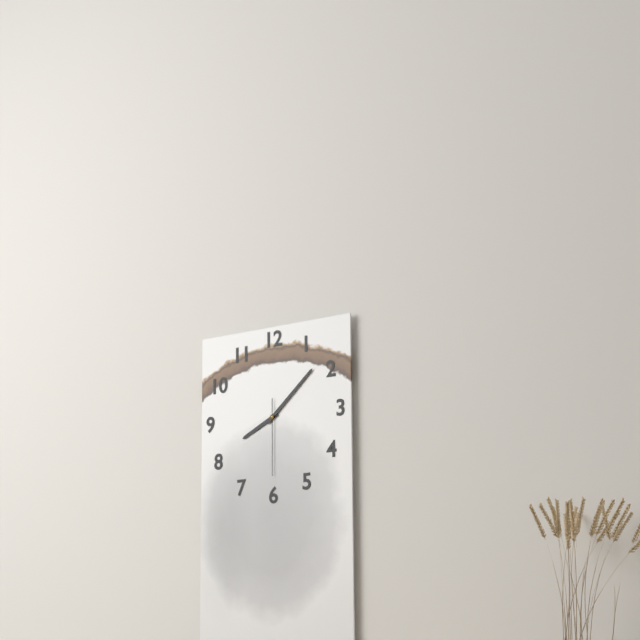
8:08:30
